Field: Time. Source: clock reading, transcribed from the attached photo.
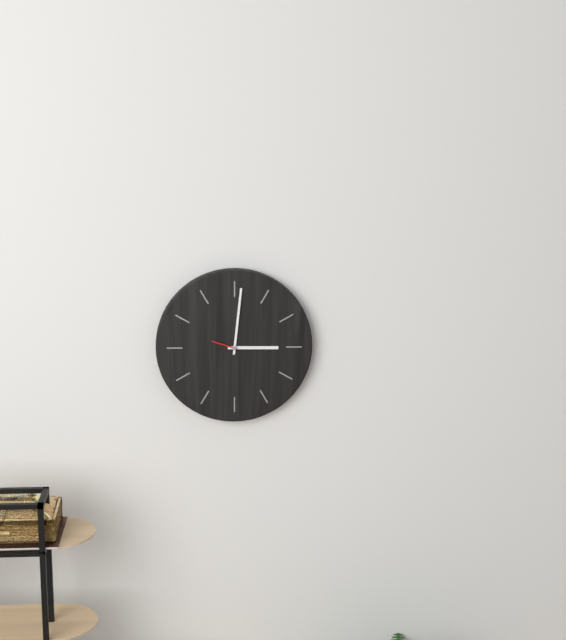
3:01
